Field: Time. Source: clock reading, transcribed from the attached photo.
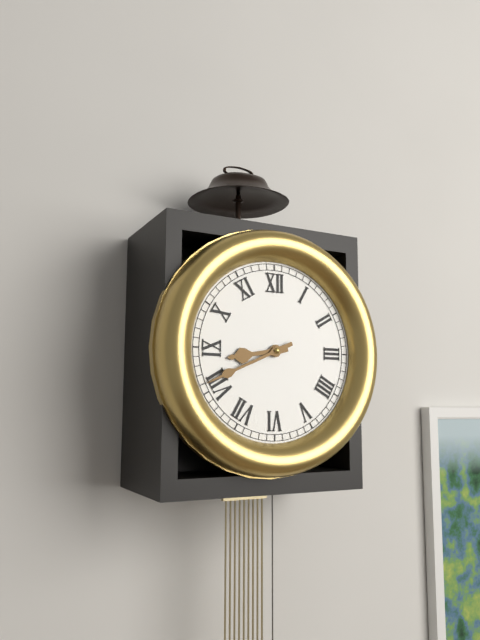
8:41
